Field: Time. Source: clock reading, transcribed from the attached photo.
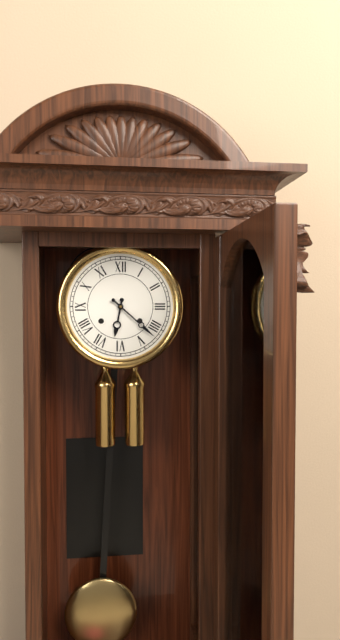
6:22
